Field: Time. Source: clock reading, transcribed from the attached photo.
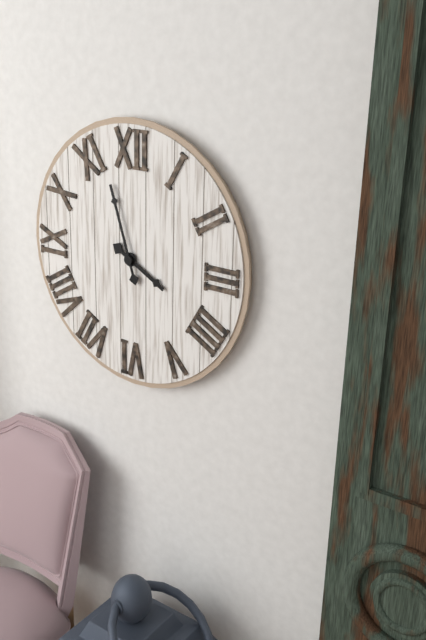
3:57
